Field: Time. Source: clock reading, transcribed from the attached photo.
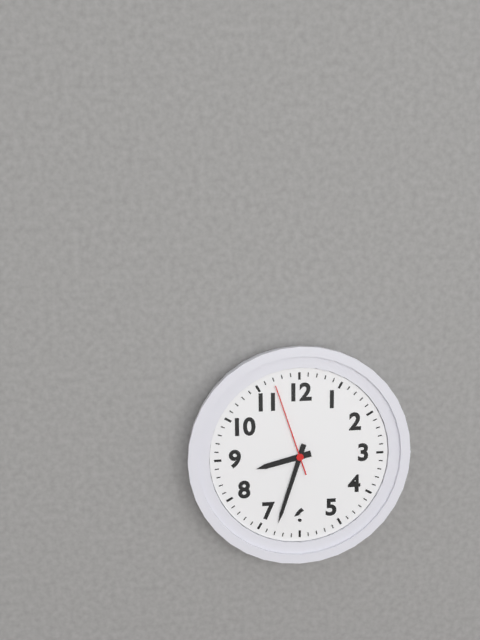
8:33:57
